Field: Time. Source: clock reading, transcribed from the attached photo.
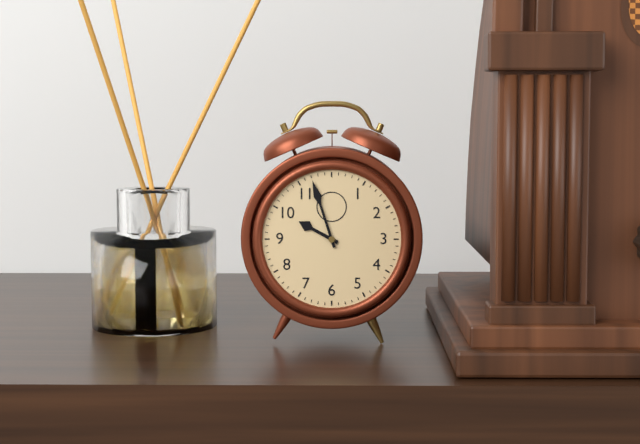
9:57
